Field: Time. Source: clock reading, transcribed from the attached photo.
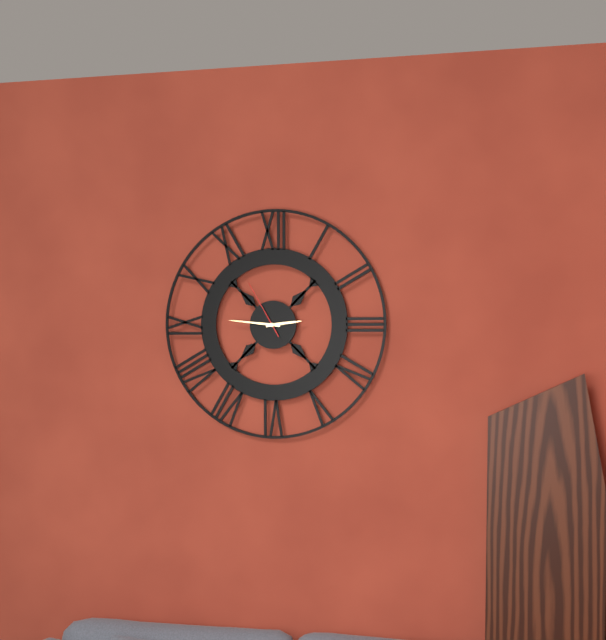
2:46:55
